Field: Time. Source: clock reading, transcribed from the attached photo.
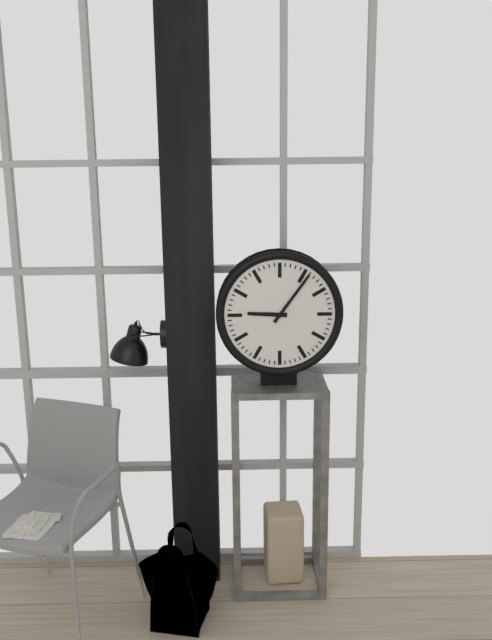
9:06
